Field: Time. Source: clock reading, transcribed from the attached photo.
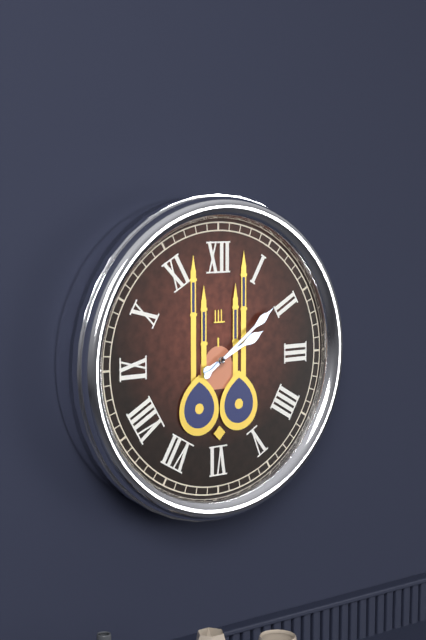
2:09
